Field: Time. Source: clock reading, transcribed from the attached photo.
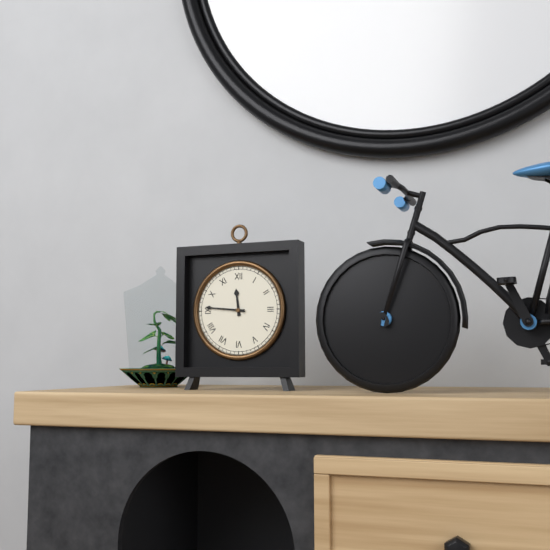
11:46
